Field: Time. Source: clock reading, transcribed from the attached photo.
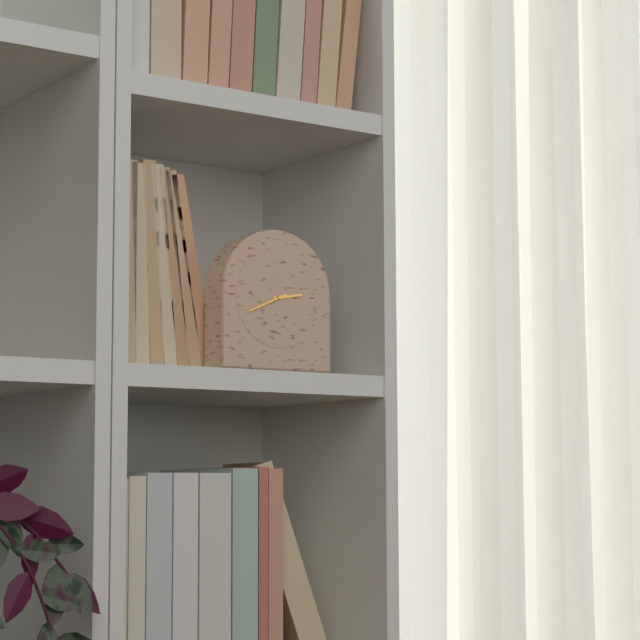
2:41
